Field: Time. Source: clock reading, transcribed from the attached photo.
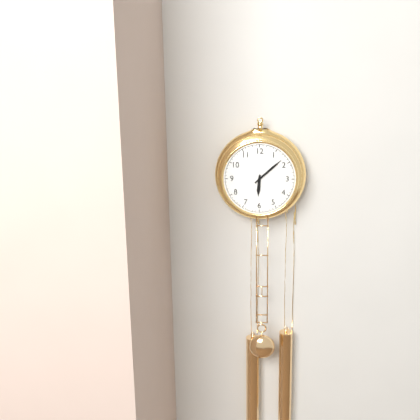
6:08
